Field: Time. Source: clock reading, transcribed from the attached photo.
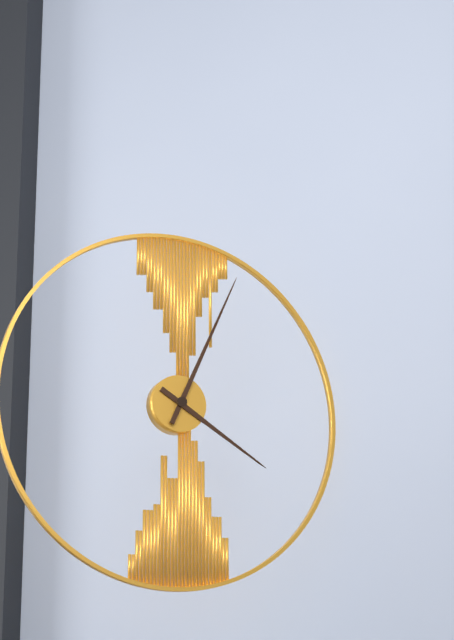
4:04
